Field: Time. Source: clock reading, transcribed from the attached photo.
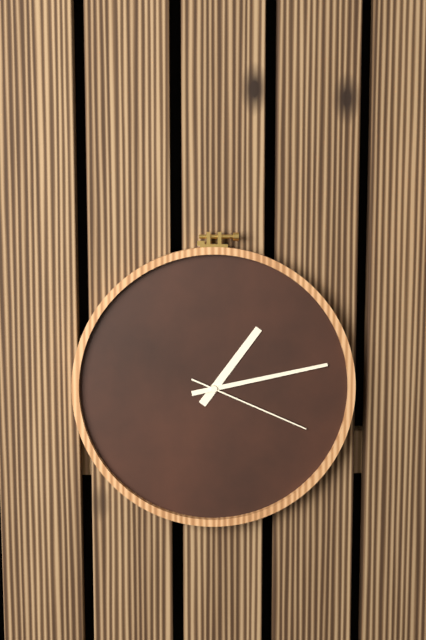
1:13:19
